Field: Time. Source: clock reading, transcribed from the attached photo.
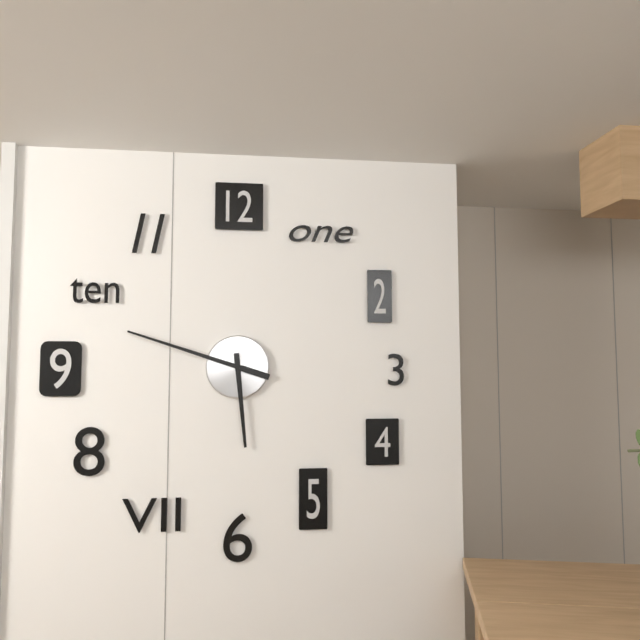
5:48
